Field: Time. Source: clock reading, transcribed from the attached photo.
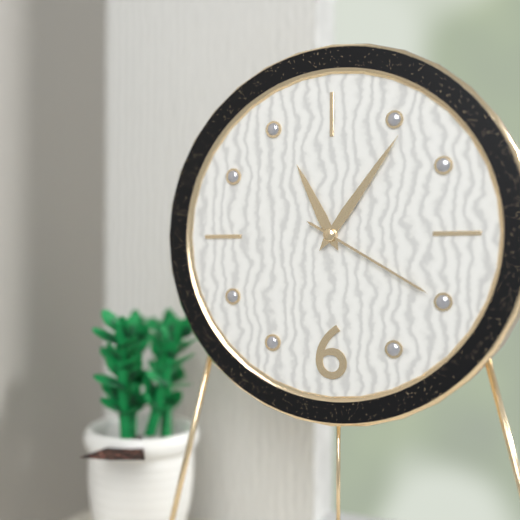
11:06:20
